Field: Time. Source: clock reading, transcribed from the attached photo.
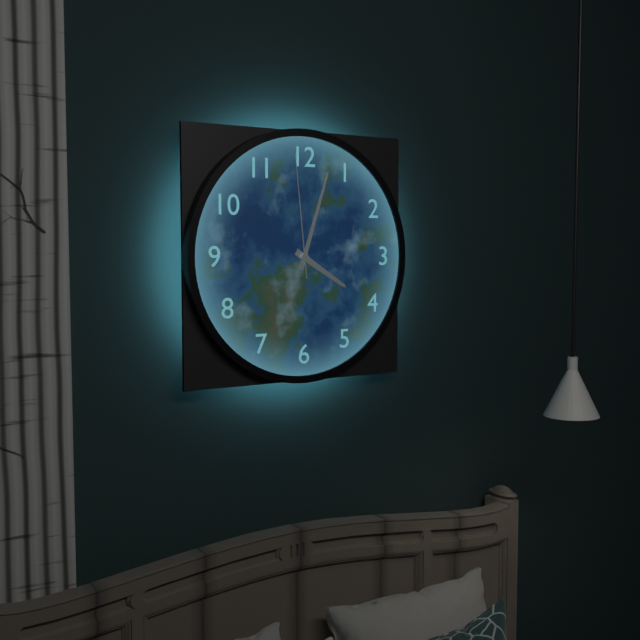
4:03:59
